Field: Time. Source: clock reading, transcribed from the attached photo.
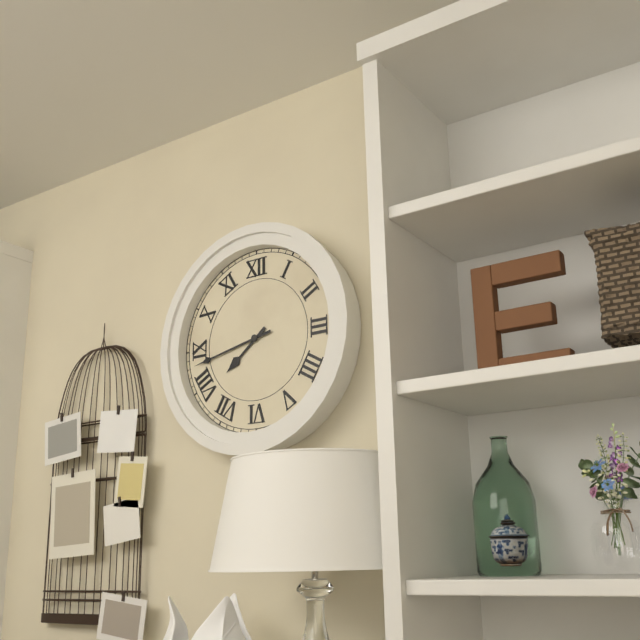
7:43
